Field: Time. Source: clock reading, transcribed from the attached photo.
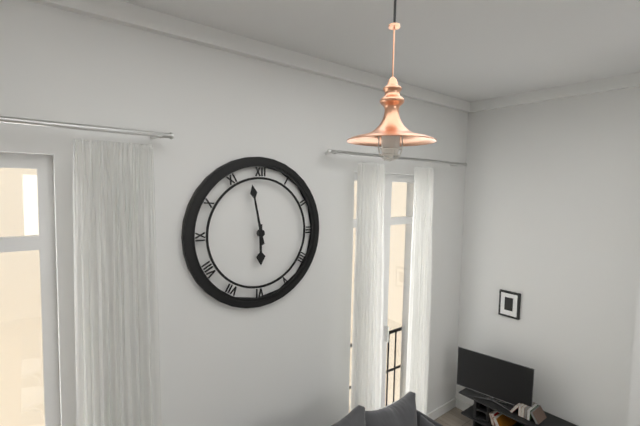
5:58
